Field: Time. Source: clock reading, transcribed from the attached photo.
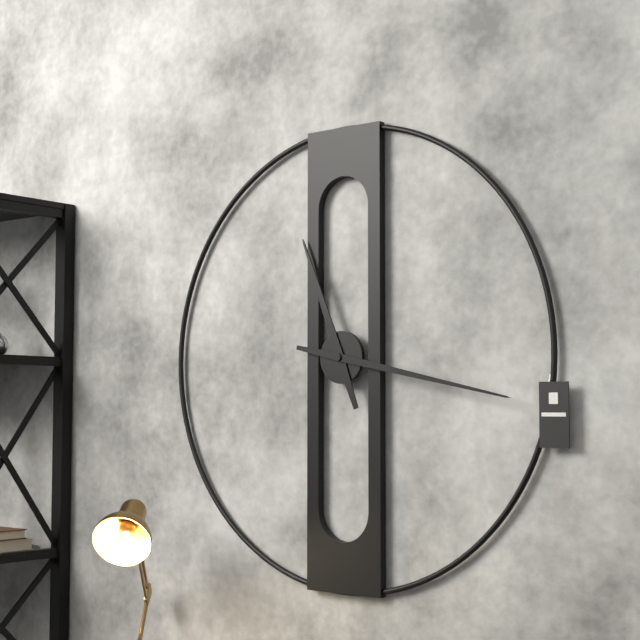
11:17
